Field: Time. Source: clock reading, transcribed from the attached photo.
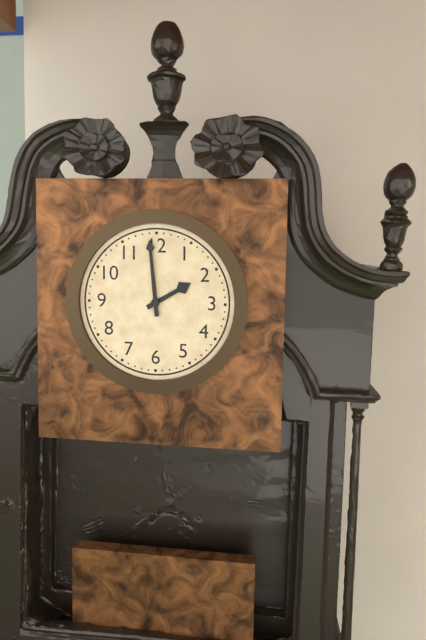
1:59
